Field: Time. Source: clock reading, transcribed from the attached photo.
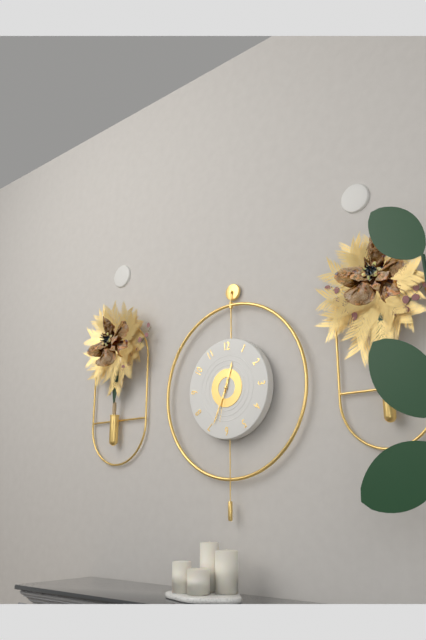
12:34
